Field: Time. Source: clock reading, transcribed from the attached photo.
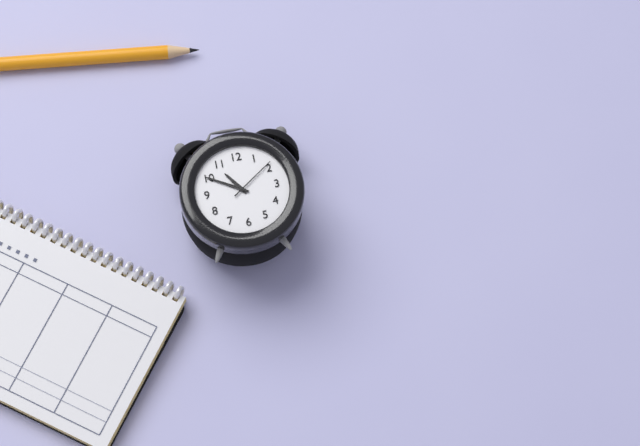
10:50:09
